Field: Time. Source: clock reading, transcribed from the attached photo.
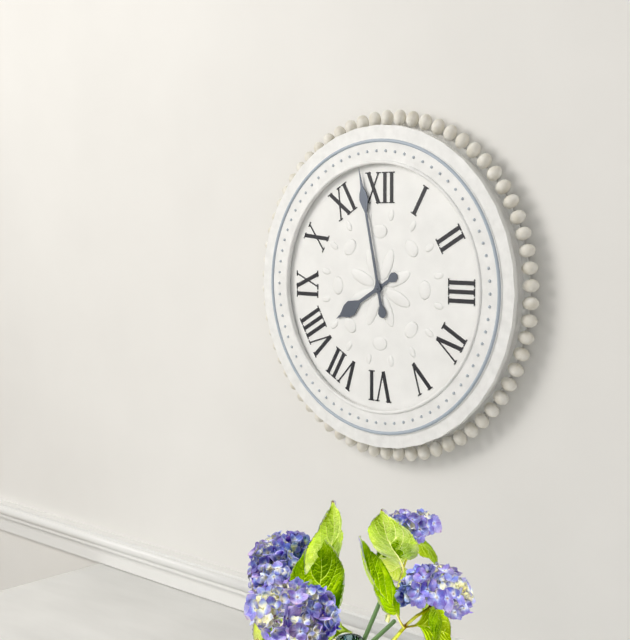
7:58
